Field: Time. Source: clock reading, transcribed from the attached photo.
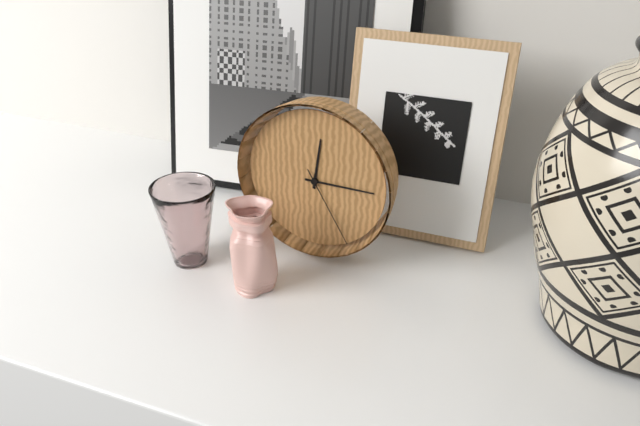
12:15:25
